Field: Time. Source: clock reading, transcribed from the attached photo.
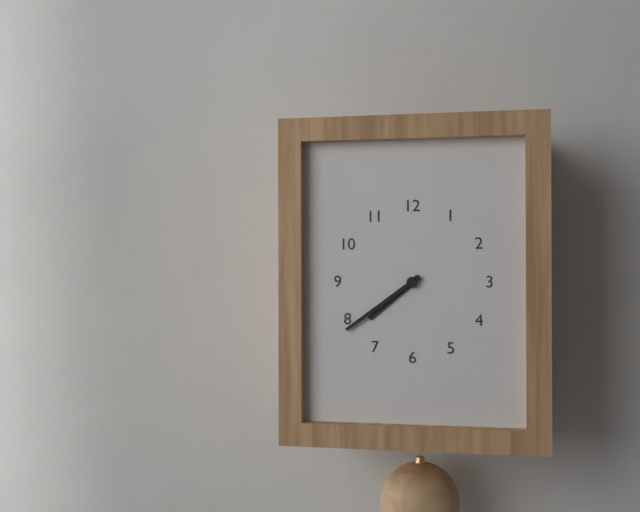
7:39
